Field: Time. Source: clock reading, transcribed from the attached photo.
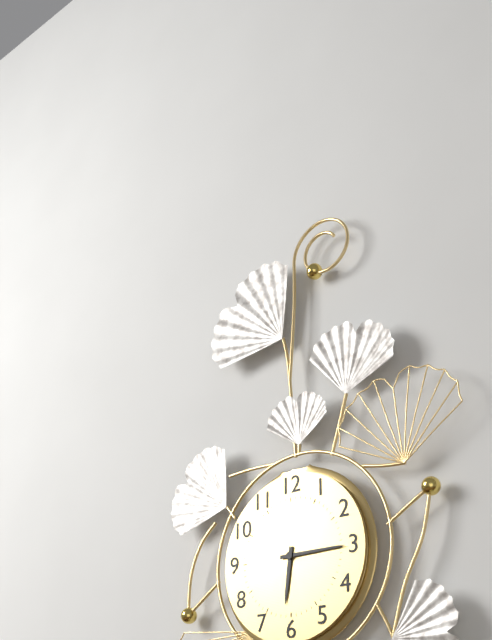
6:15
